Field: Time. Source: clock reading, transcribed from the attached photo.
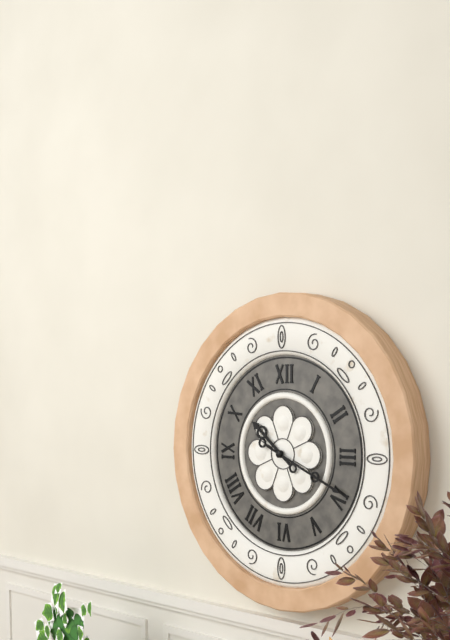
10:19
